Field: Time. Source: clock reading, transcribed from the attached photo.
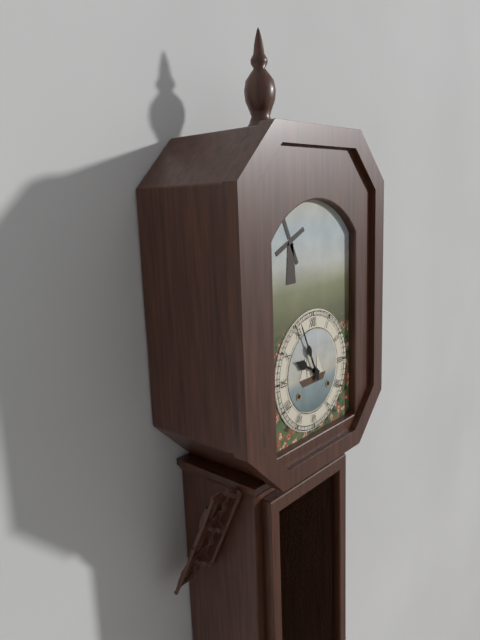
9:56
